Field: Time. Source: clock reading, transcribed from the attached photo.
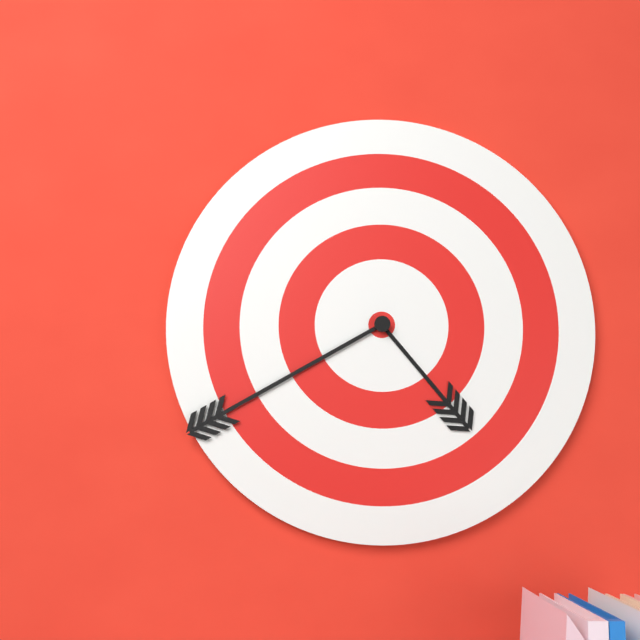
4:40
